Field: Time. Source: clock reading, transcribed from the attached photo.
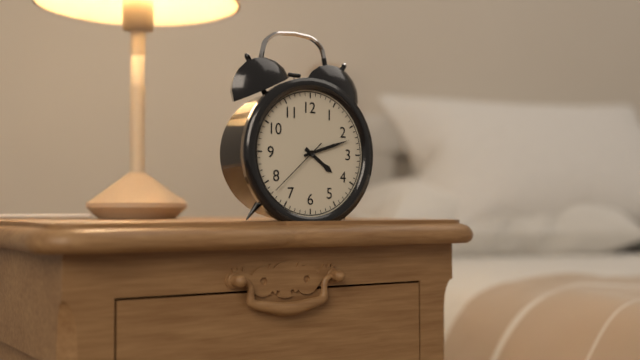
4:12:38
